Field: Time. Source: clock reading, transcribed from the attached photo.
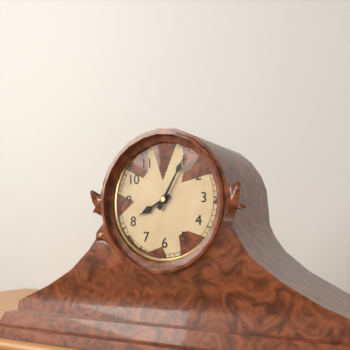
8:05
